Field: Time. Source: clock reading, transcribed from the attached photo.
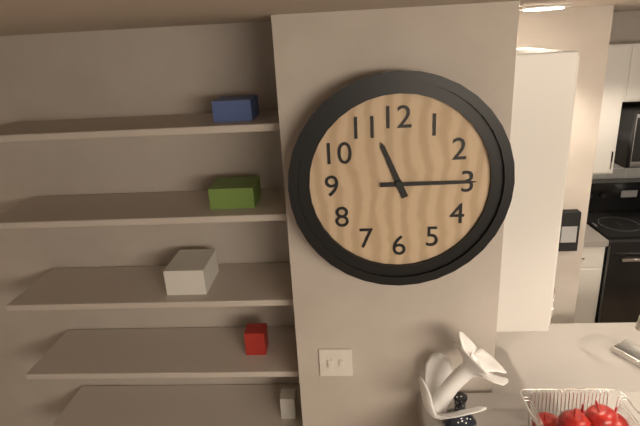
11:15
